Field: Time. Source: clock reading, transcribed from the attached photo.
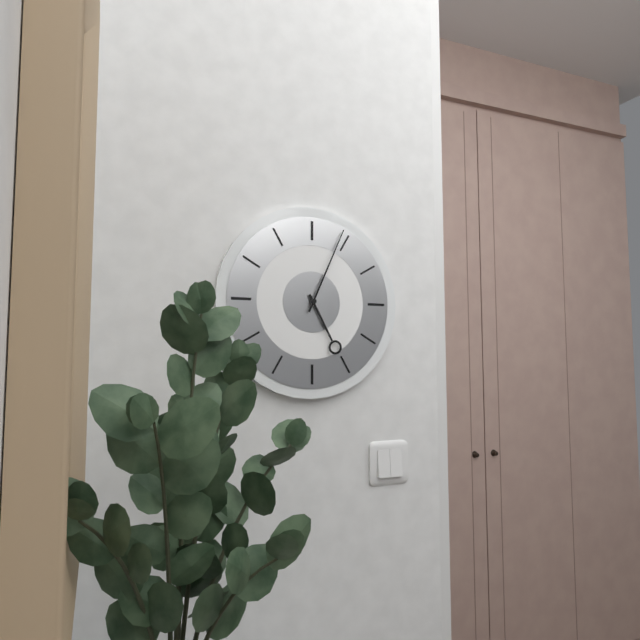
5:04
